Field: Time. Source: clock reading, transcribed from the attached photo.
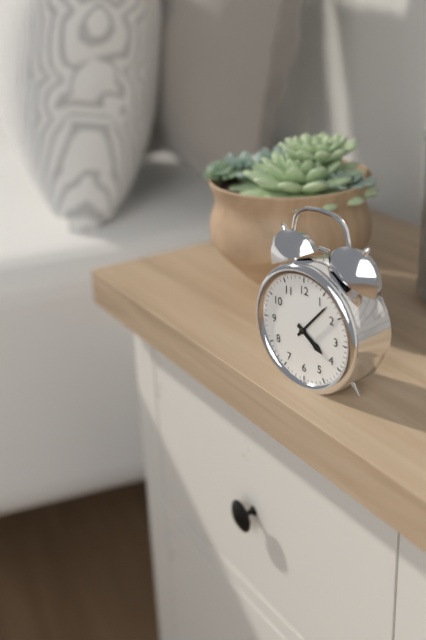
4:07
